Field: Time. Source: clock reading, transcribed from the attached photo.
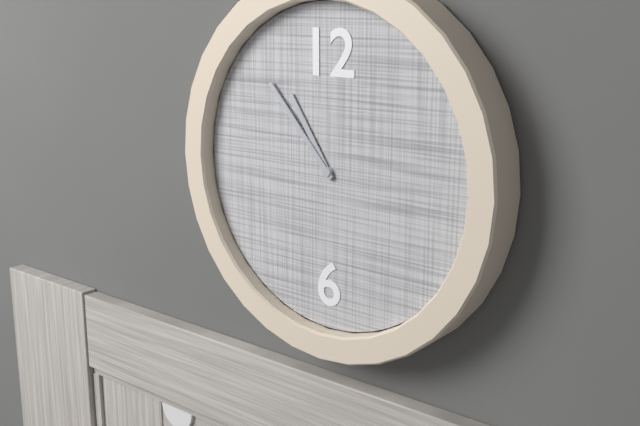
10:53
